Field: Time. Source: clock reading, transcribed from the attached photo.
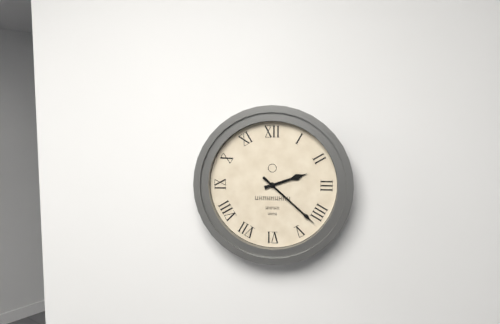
2:22
